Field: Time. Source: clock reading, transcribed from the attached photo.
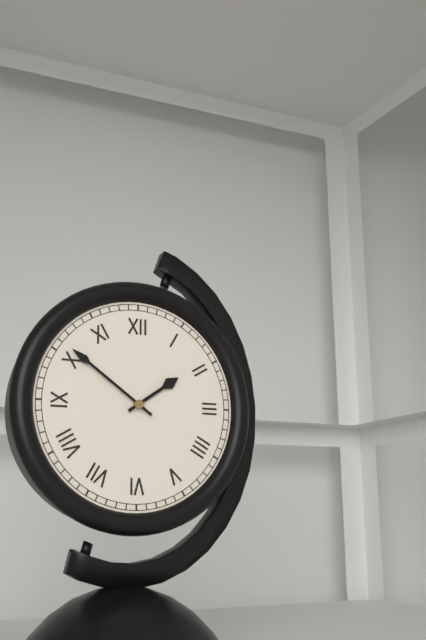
1:51
